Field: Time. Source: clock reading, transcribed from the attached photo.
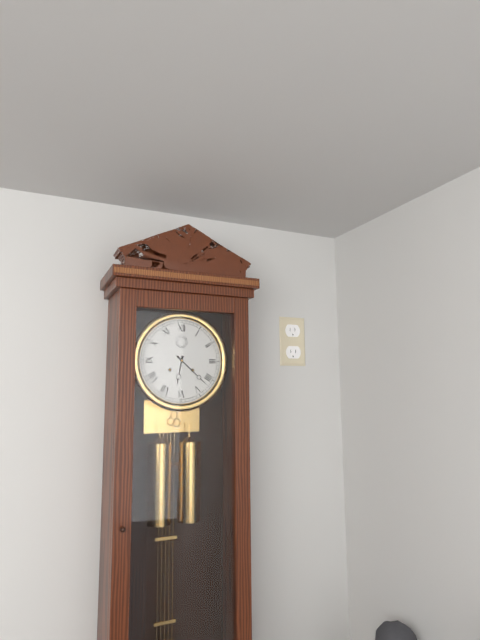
6:22
